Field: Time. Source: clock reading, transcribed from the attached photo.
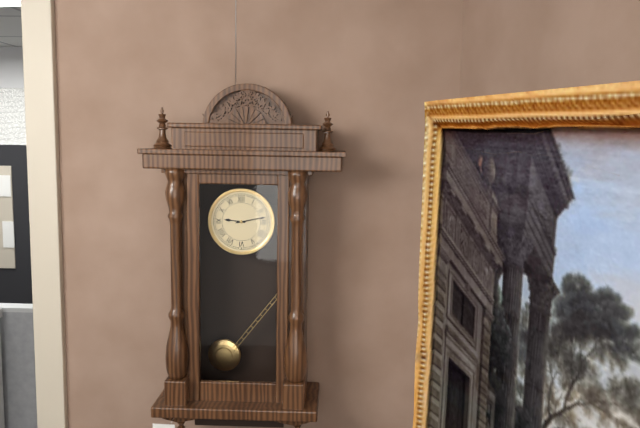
9:13
